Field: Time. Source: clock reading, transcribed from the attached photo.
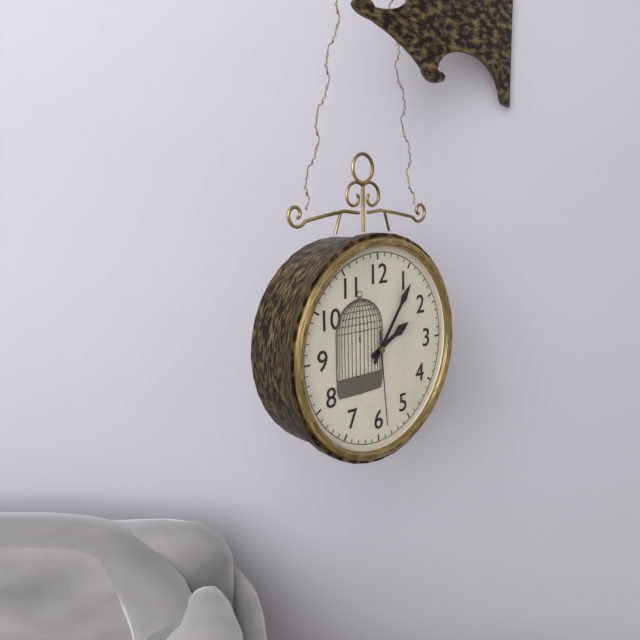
2:06:29
